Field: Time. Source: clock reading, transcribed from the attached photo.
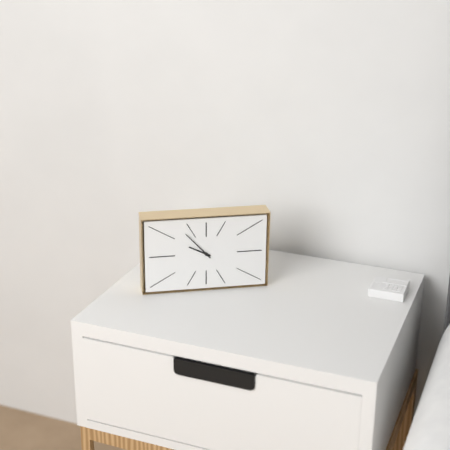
9:53
